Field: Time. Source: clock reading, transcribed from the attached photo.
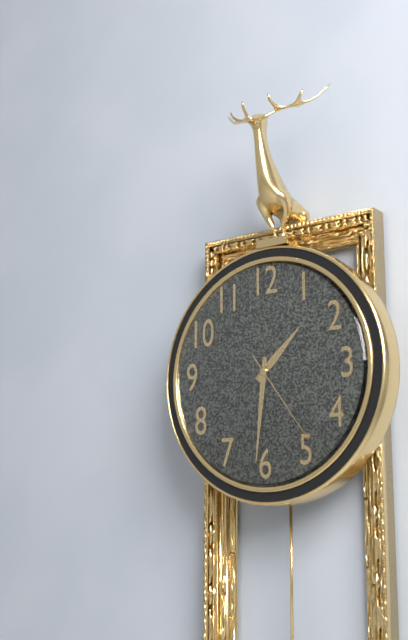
1:31:24
